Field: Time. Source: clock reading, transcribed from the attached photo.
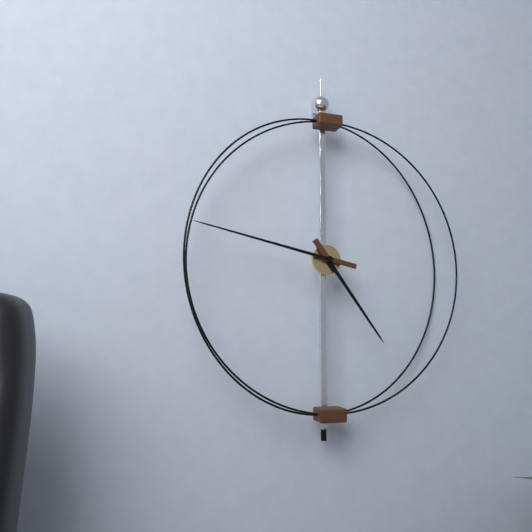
4:47
